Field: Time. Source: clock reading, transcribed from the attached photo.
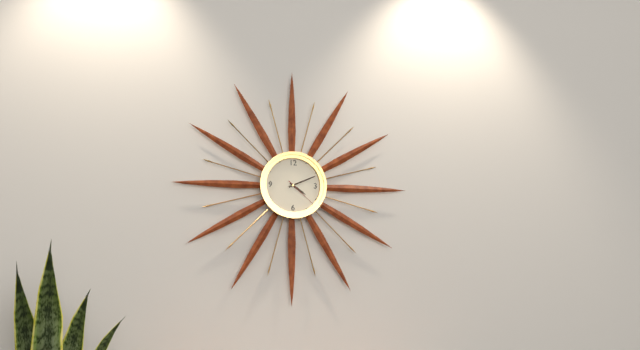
4:11
